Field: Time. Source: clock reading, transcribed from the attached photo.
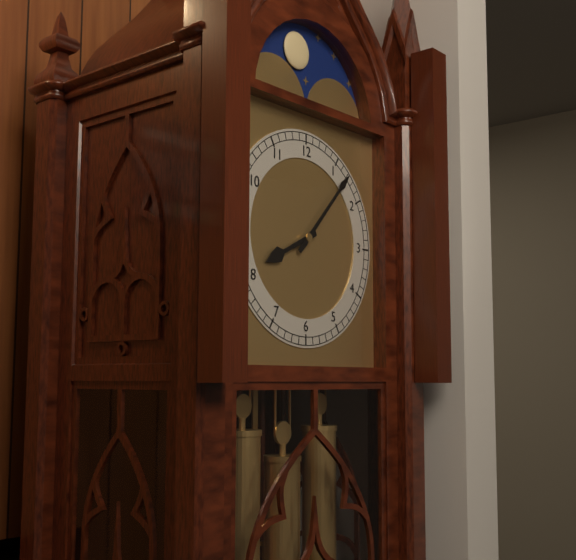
8:07
